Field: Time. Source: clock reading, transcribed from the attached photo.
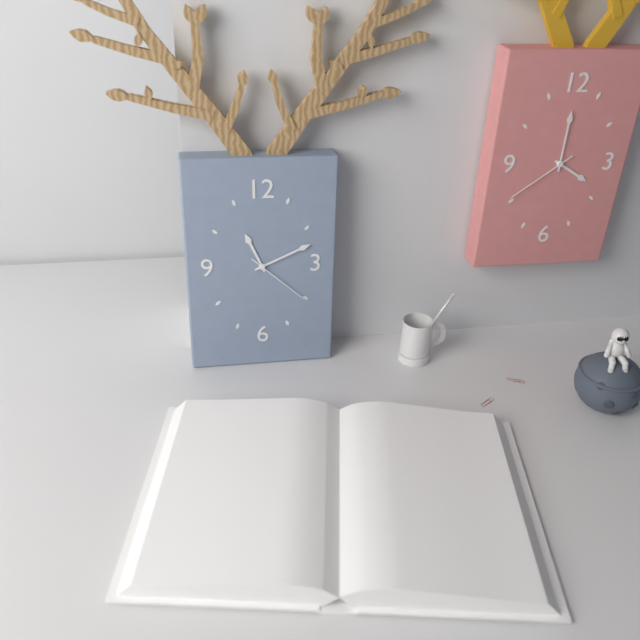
11:11:22
